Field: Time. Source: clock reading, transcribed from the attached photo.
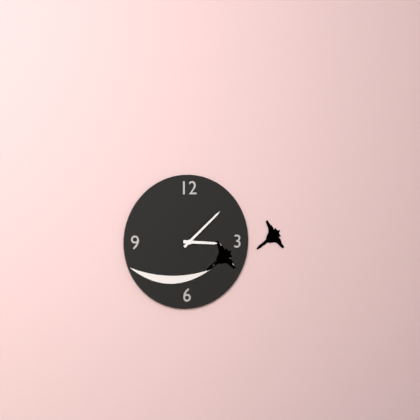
3:08
